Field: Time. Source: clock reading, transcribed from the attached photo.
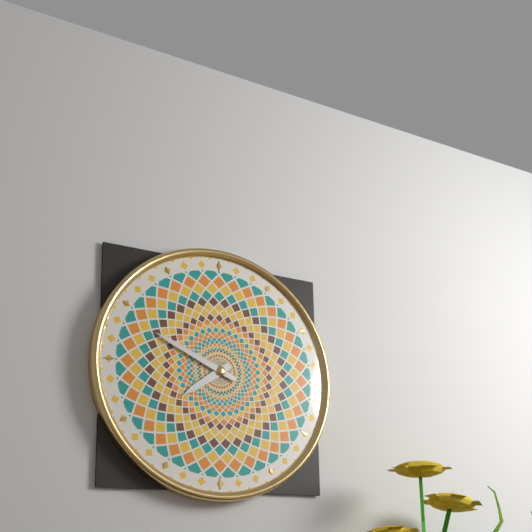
7:49
